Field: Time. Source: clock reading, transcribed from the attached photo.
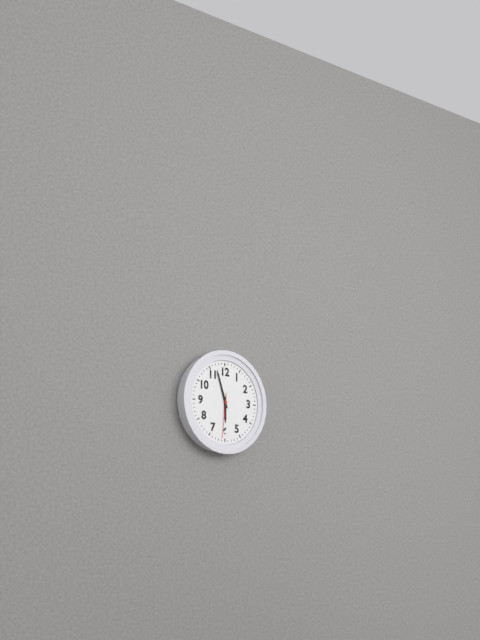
5:57
